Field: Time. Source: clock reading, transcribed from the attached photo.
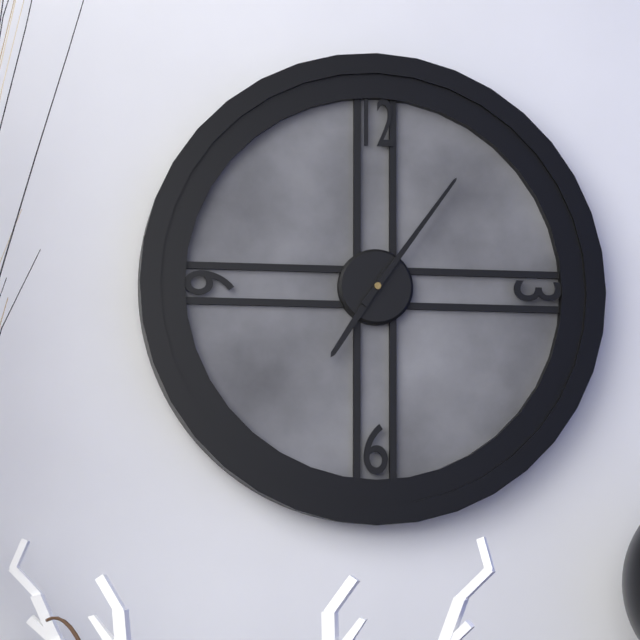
7:06
